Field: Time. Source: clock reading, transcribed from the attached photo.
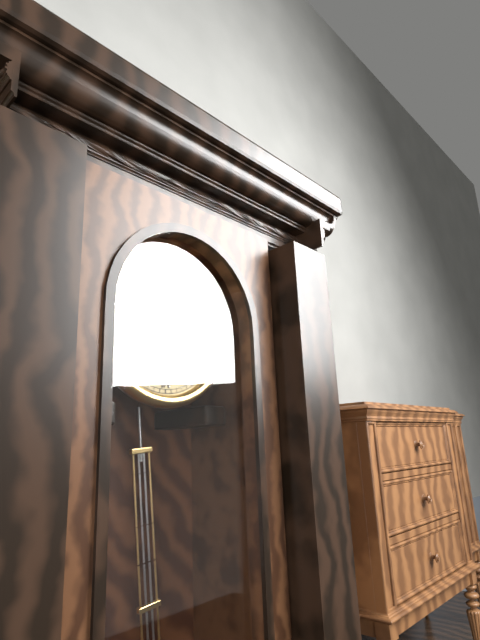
1:54
